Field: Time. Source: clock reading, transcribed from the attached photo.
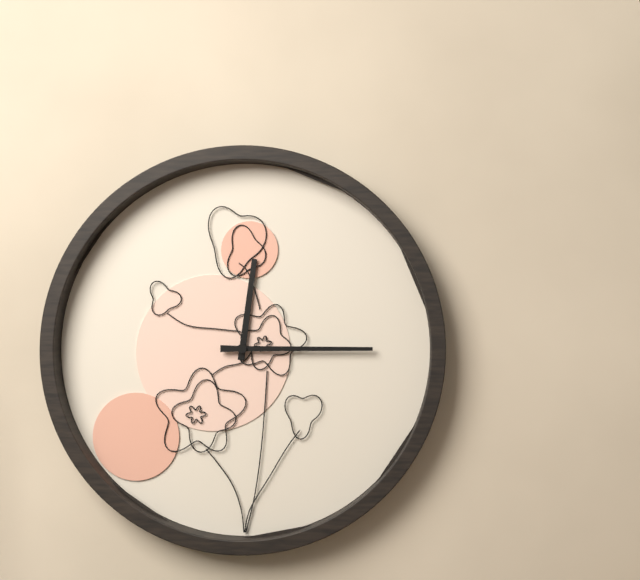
12:15
